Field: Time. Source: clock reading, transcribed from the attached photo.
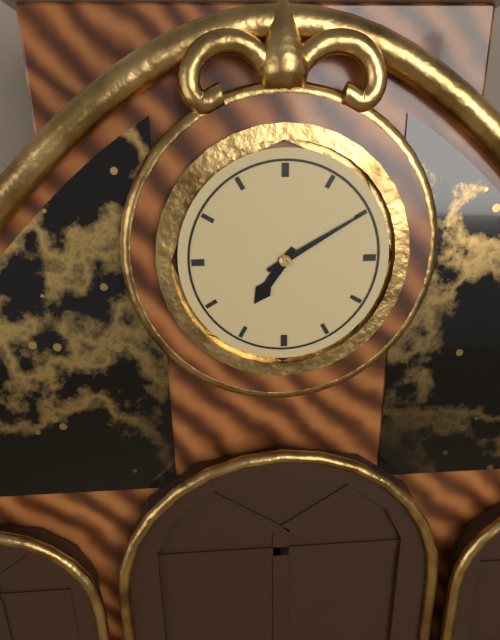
7:10
